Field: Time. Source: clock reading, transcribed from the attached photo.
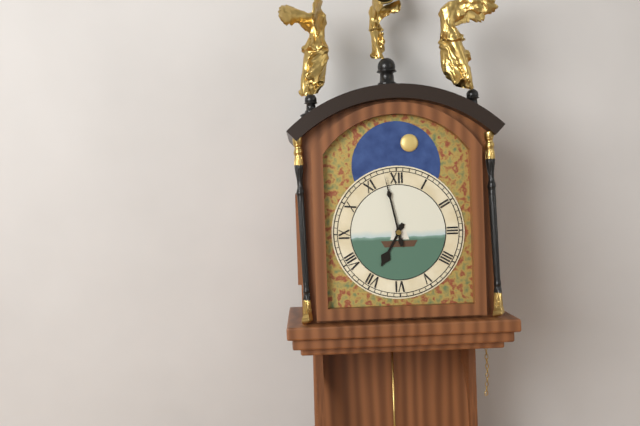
6:58
